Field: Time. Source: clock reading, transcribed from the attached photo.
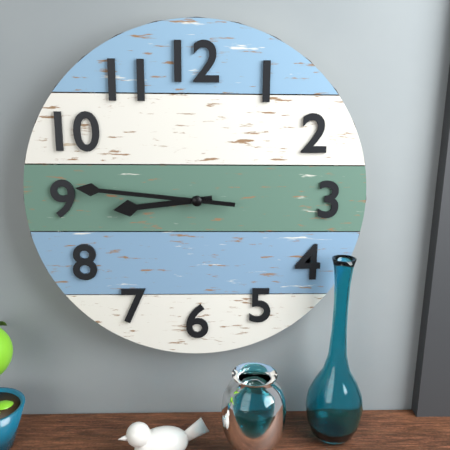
8:46
